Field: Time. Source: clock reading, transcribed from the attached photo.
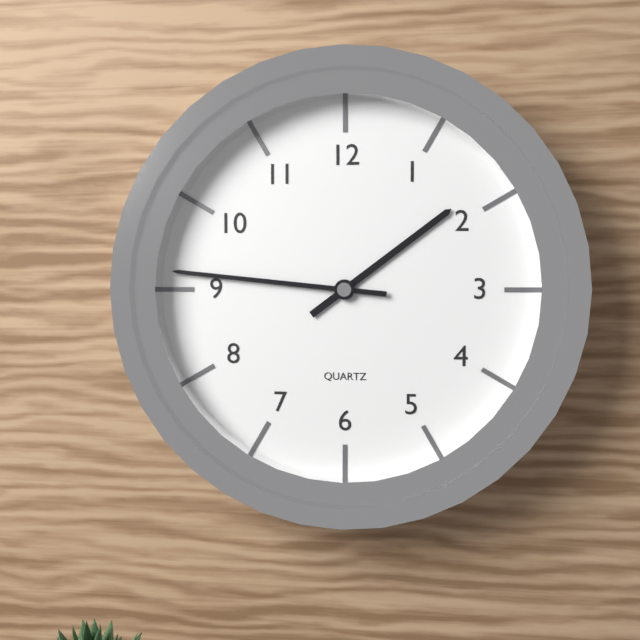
1:46
